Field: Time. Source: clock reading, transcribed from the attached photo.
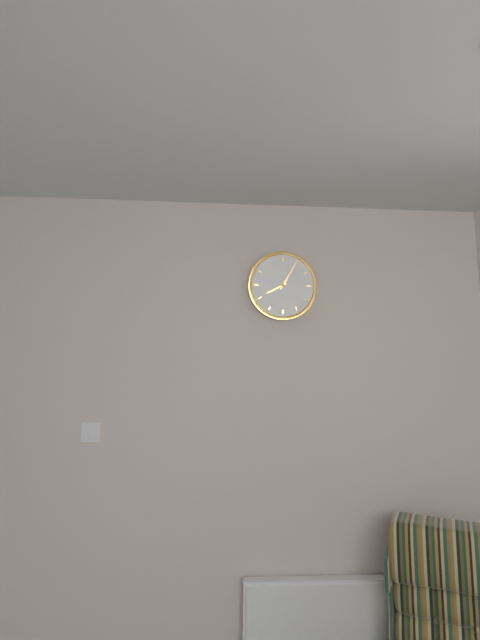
8:05
